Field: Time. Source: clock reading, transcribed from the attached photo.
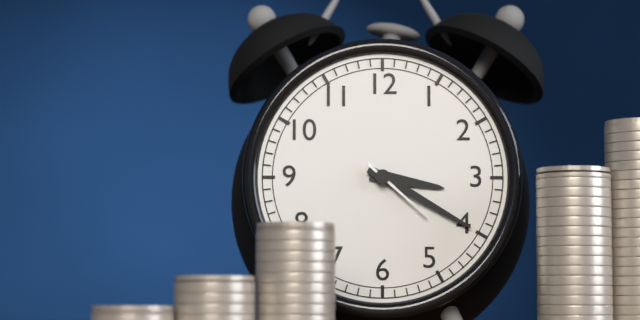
3:20:22
